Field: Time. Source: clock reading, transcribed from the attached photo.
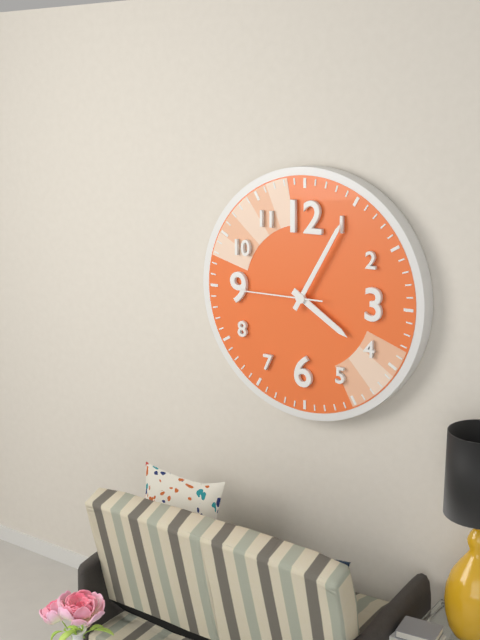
4:05:45
